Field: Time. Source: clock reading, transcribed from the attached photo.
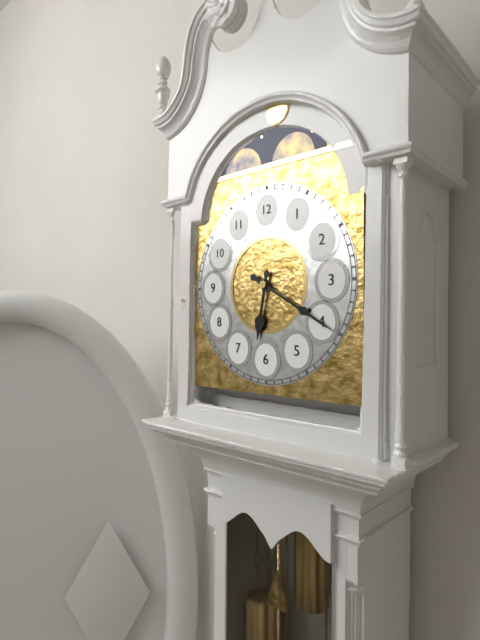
6:20
